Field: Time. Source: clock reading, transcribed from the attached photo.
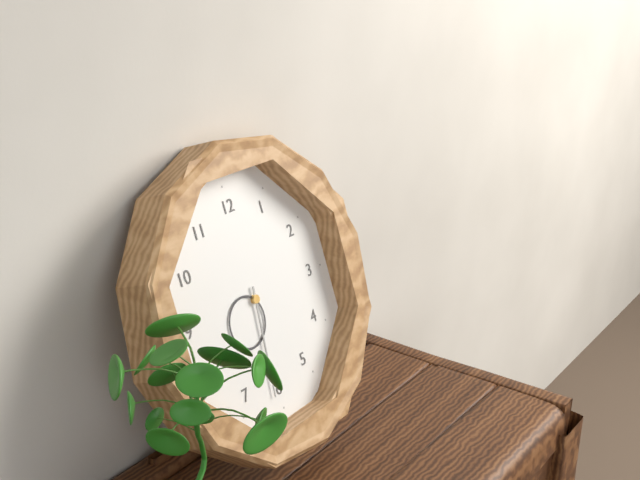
7:31
